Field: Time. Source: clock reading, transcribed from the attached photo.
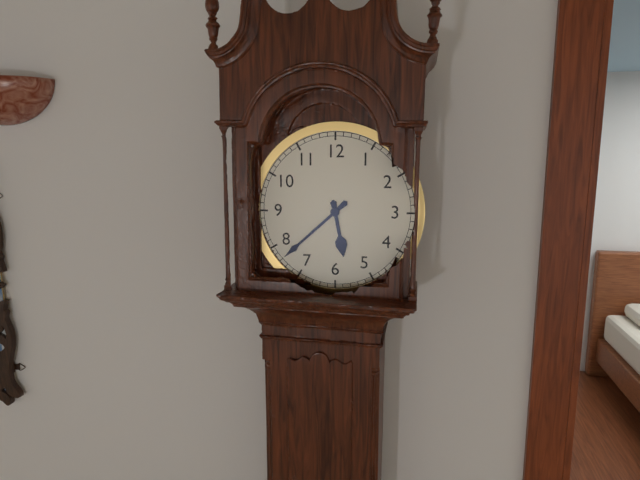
5:38
